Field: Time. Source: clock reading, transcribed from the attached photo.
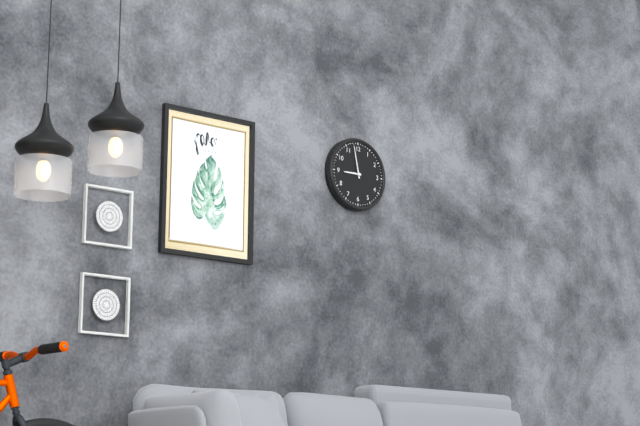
8:58
